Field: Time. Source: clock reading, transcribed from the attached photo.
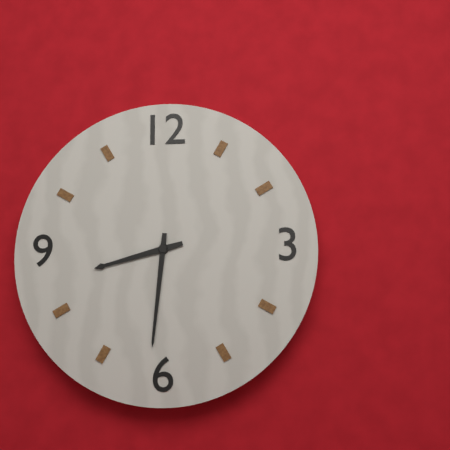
8:31
